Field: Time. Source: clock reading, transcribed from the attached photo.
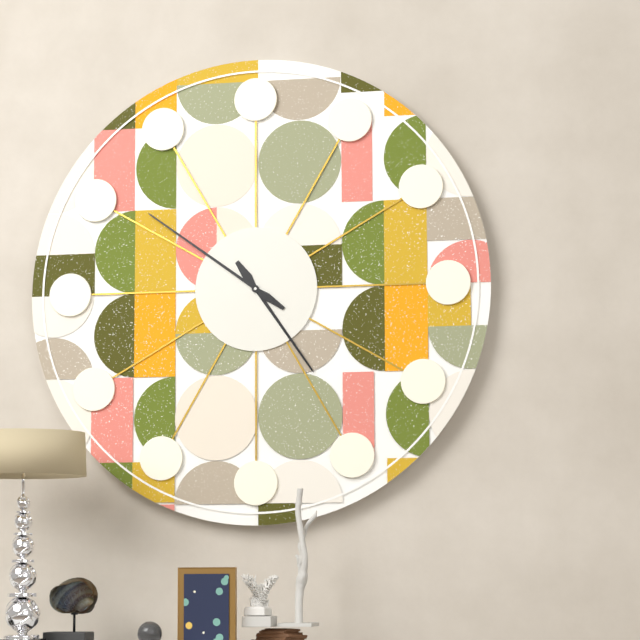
4:51
